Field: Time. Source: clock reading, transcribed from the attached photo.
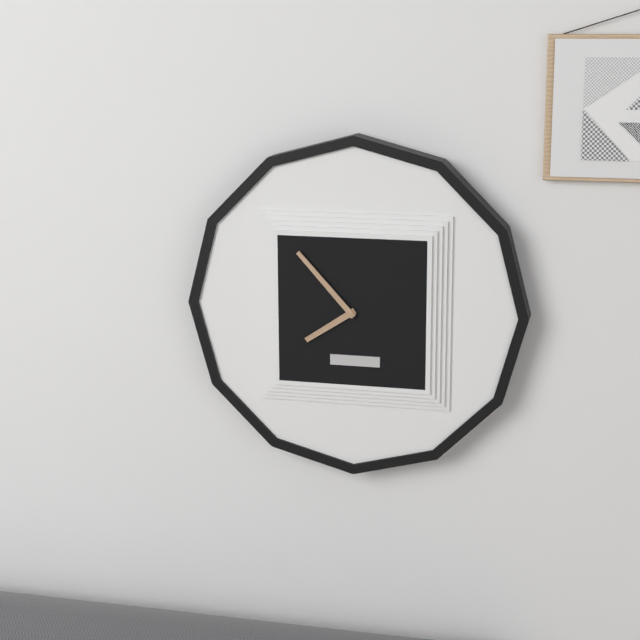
7:53
